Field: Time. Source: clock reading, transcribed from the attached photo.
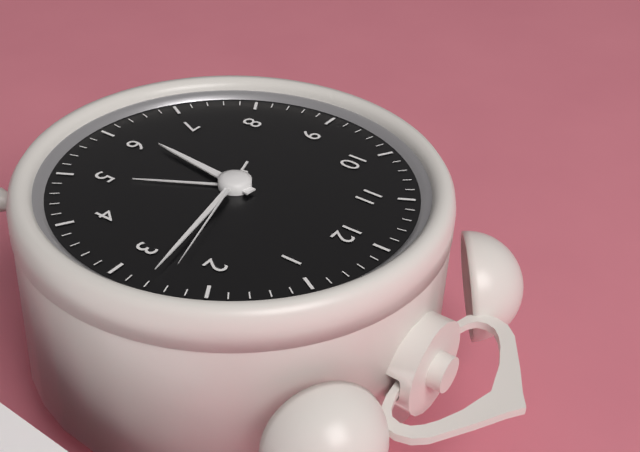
6:13:12
